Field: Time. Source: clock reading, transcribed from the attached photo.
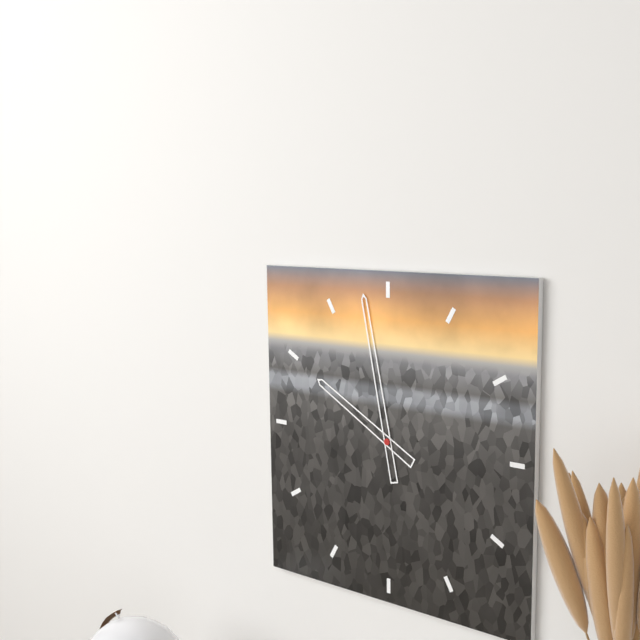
9:58
